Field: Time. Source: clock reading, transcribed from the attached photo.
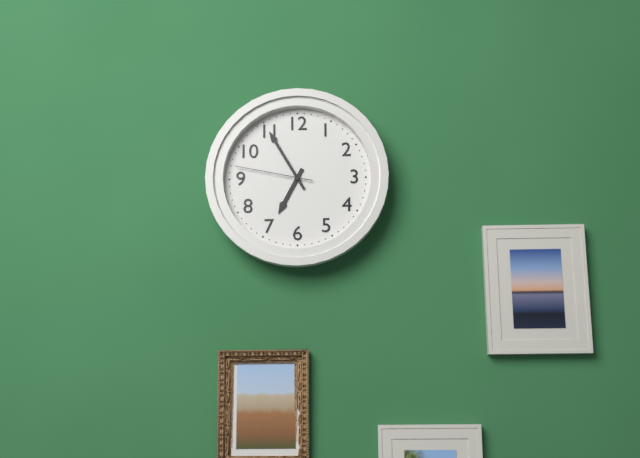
6:55:47
